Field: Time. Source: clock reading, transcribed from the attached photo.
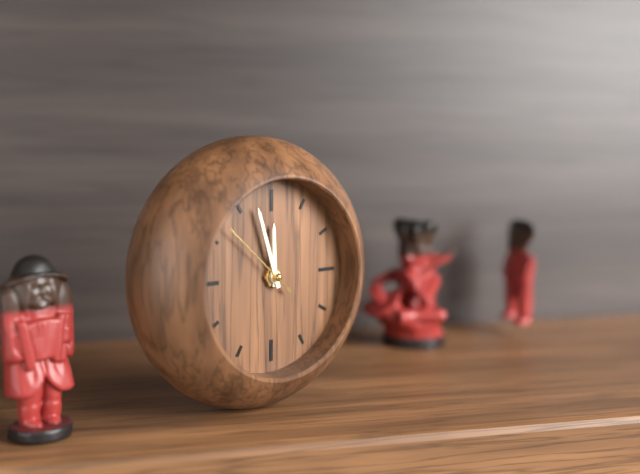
11:57:52
